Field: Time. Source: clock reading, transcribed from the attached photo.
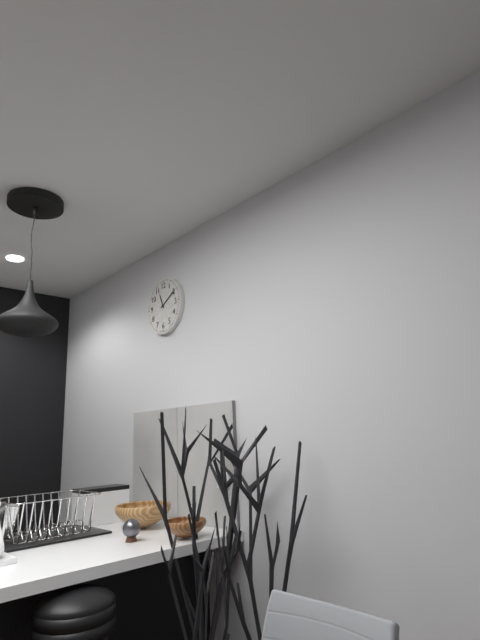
11:10
